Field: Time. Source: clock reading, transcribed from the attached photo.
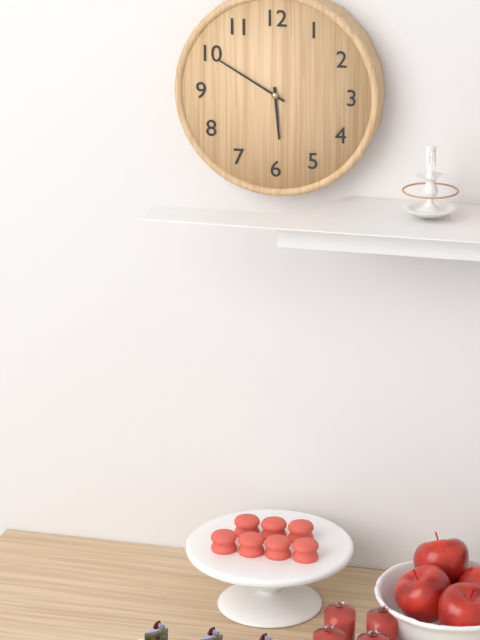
5:50
